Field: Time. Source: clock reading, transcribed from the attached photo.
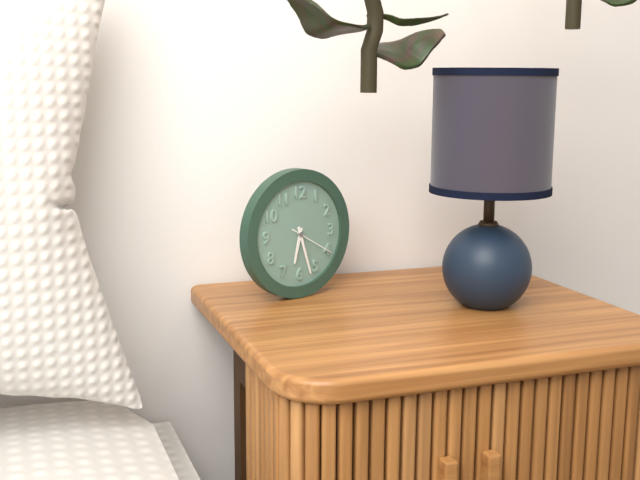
6:27:20
